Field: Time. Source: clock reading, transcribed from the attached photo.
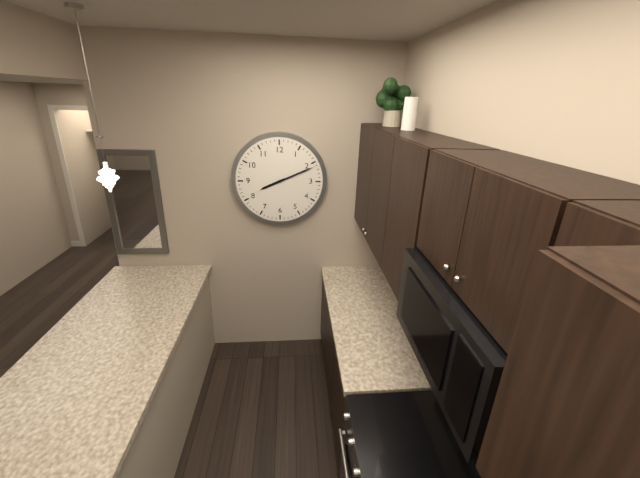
8:11
